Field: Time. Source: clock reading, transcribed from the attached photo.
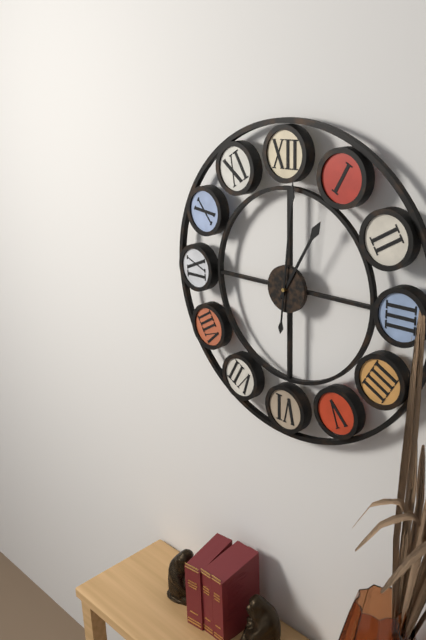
1:01
